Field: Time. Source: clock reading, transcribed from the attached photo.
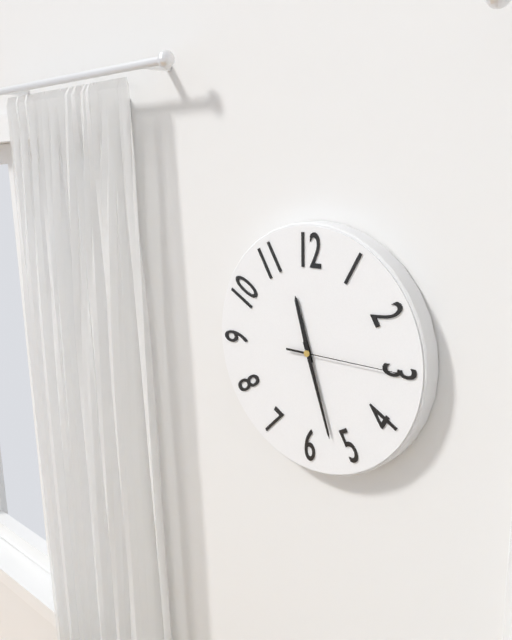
11:27:15
